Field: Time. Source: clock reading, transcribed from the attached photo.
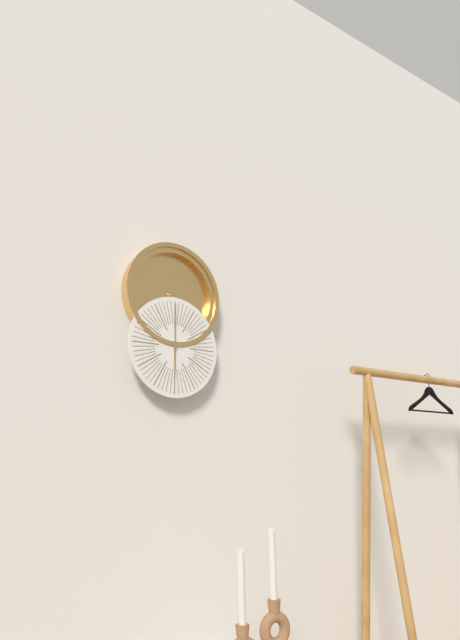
6:00
